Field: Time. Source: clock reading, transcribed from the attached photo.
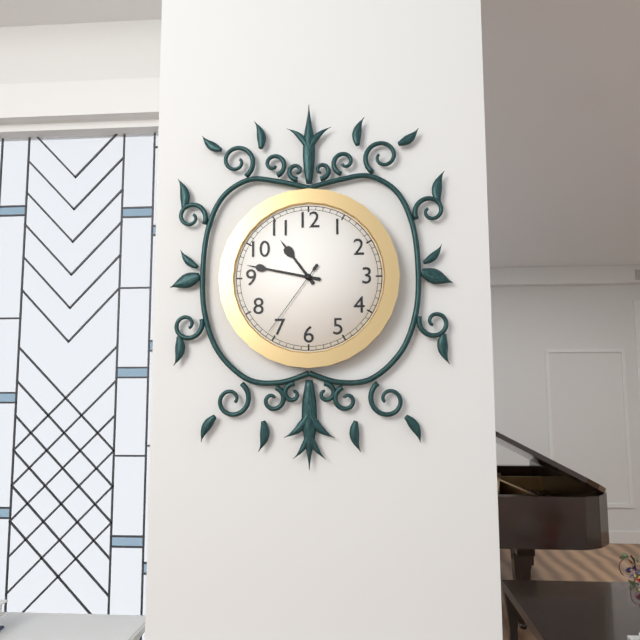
10:47:36
